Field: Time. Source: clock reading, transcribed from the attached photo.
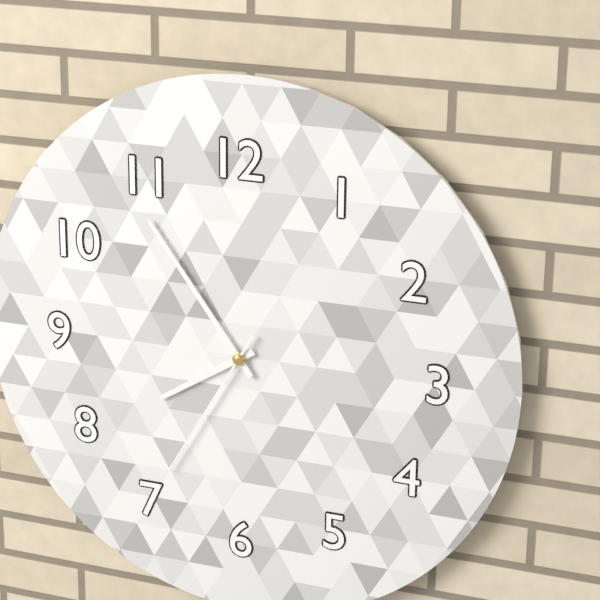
7:54:35
